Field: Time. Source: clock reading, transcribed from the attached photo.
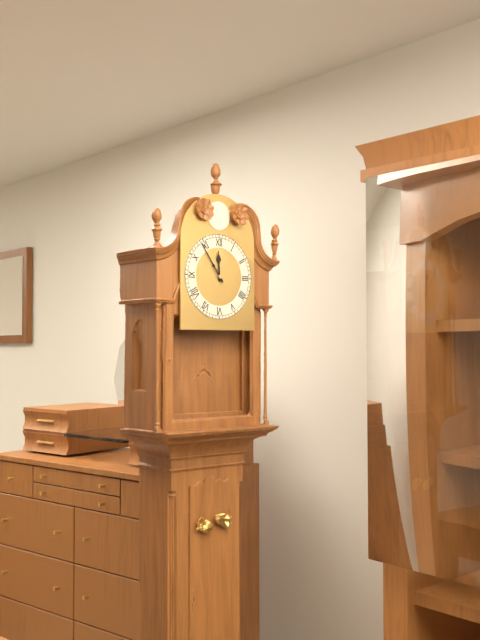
11:54
